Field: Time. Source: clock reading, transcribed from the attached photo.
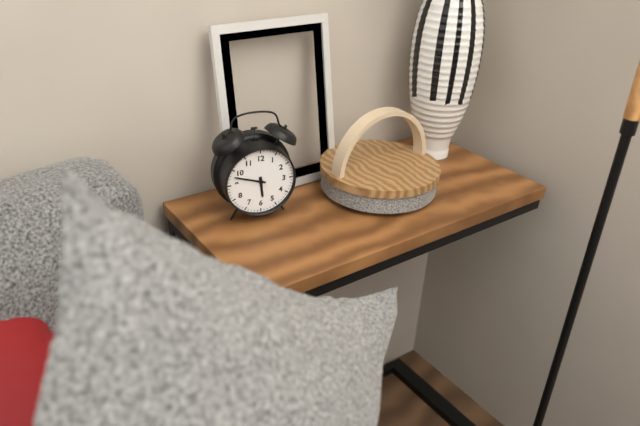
5:48
